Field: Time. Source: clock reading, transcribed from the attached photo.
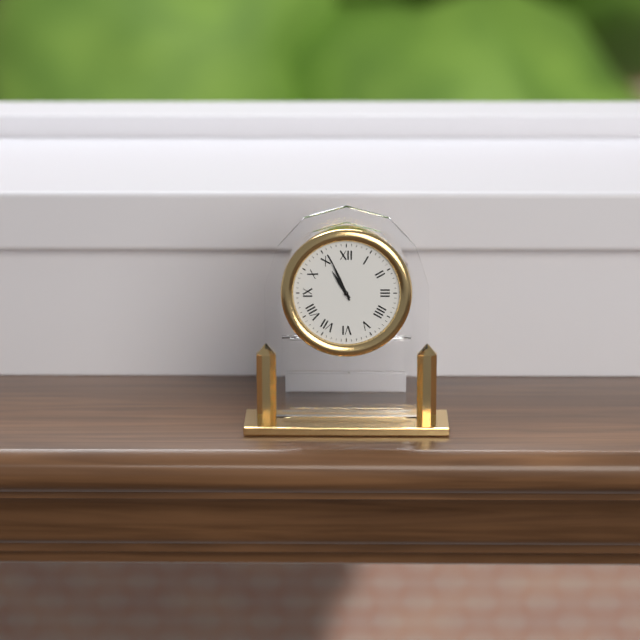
10:56
